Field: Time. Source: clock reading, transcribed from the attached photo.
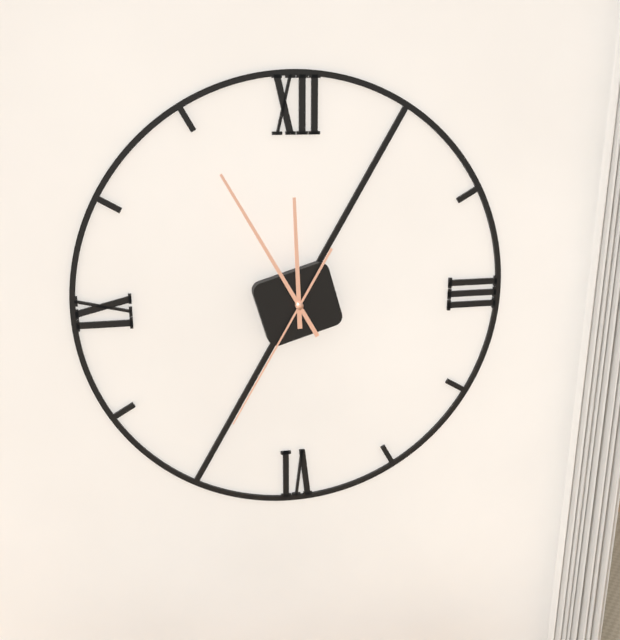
11:55:35
